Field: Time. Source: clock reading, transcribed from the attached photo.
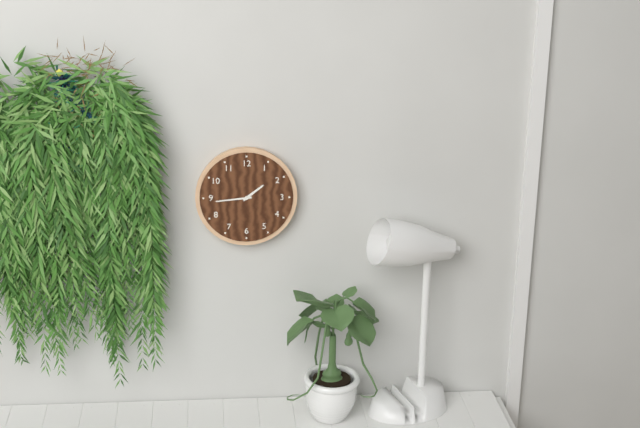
1:44
